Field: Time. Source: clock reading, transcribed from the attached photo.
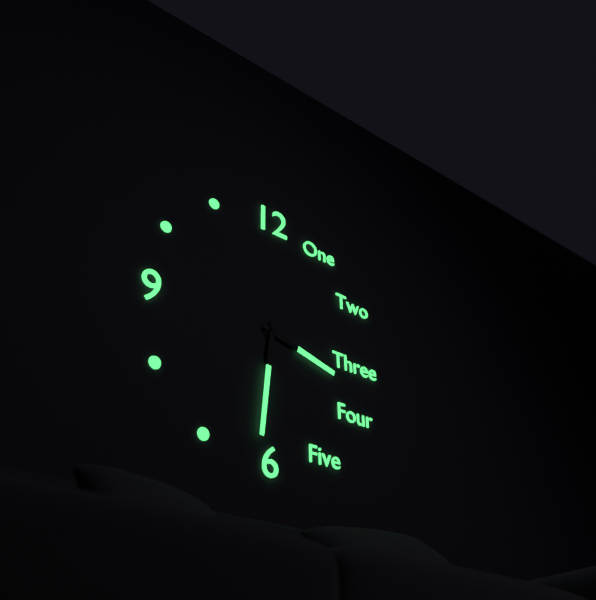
3:31
